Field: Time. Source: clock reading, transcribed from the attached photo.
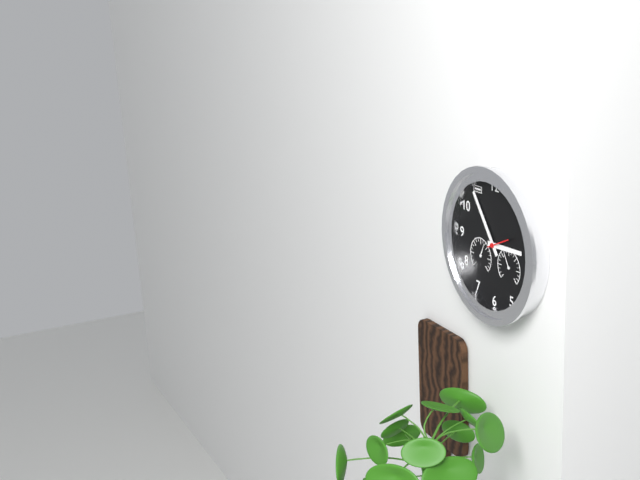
2:54
